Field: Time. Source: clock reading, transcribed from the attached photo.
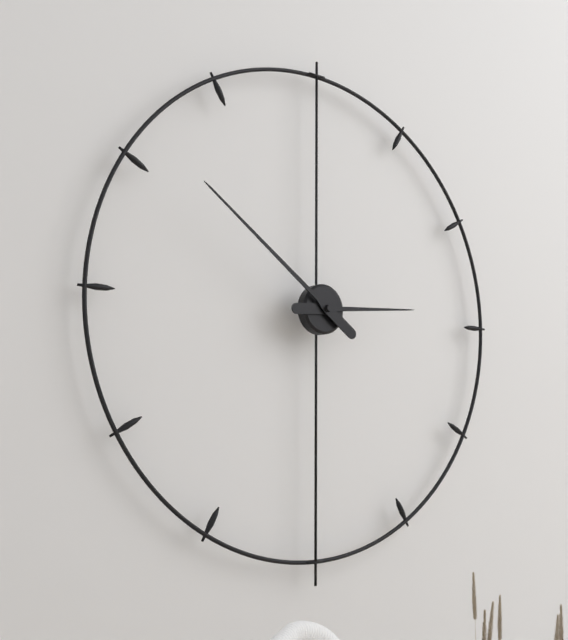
2:51
